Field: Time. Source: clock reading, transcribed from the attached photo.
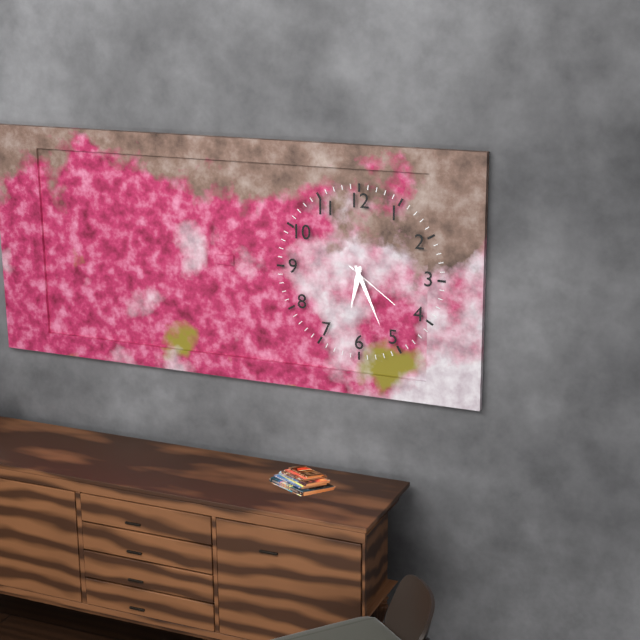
6:26:21
